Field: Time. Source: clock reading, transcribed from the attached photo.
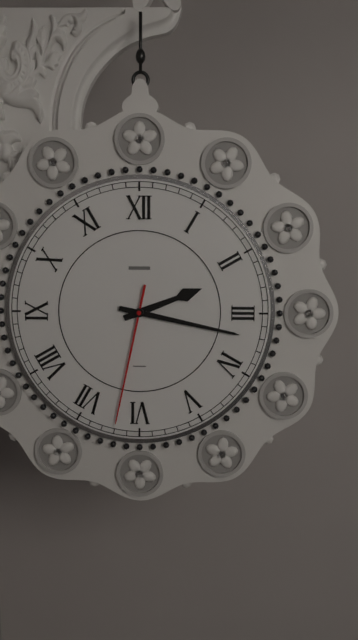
2:17:32
